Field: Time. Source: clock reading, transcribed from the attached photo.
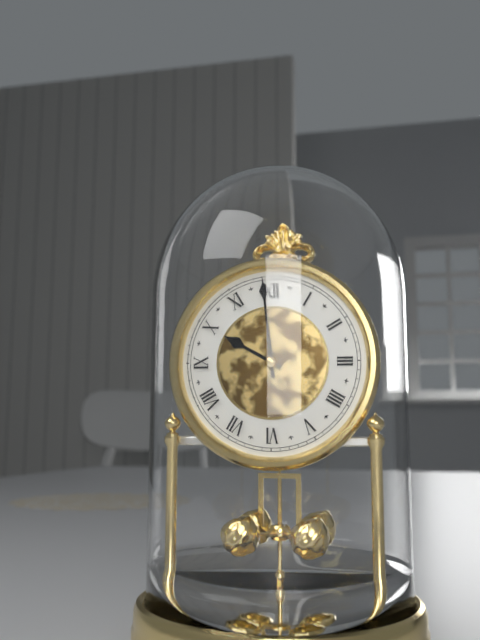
9:59
